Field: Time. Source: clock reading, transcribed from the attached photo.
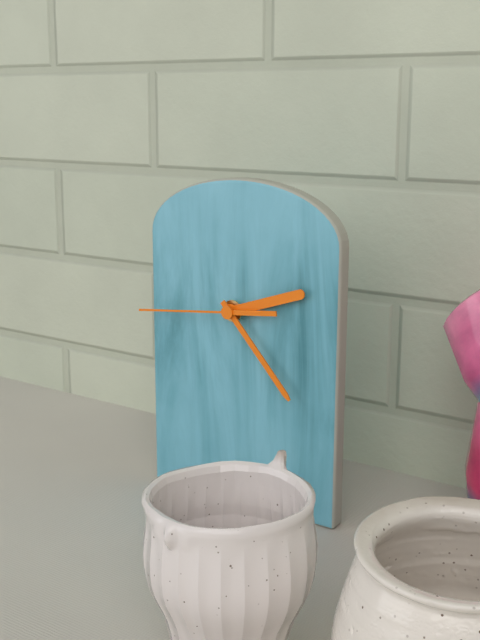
2:23:44
